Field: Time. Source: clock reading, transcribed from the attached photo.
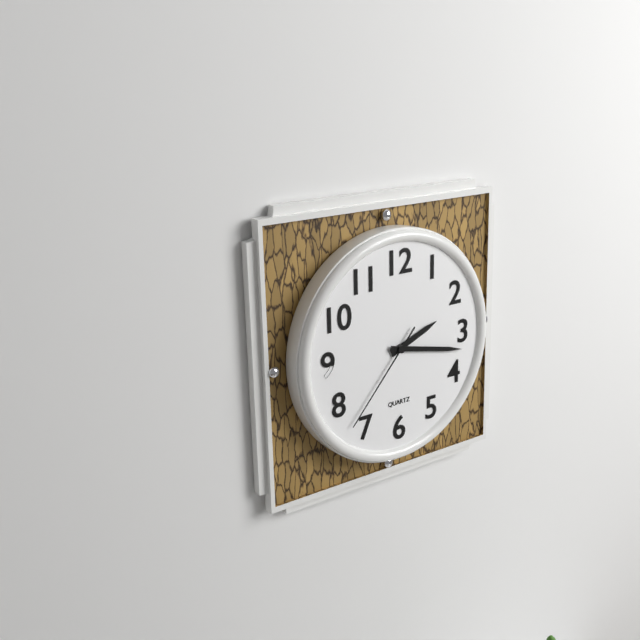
2:17:37
